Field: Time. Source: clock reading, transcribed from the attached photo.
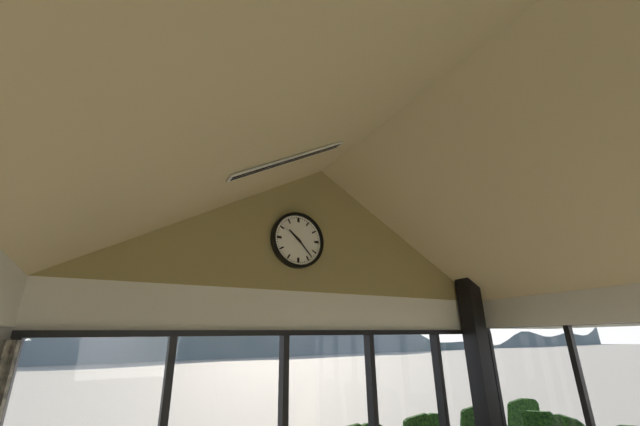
10:23
